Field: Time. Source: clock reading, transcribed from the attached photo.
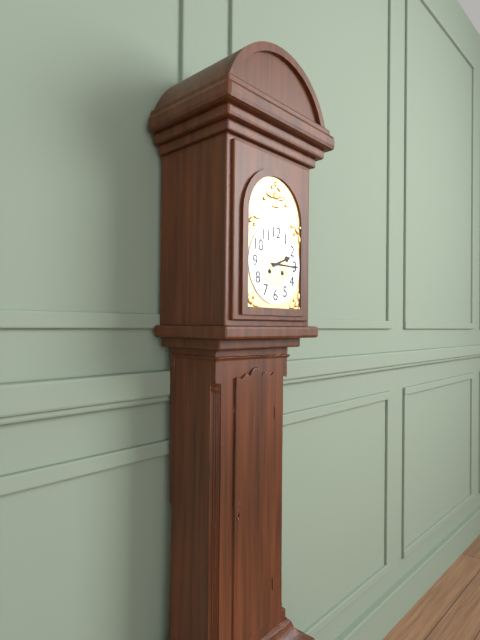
2:15
